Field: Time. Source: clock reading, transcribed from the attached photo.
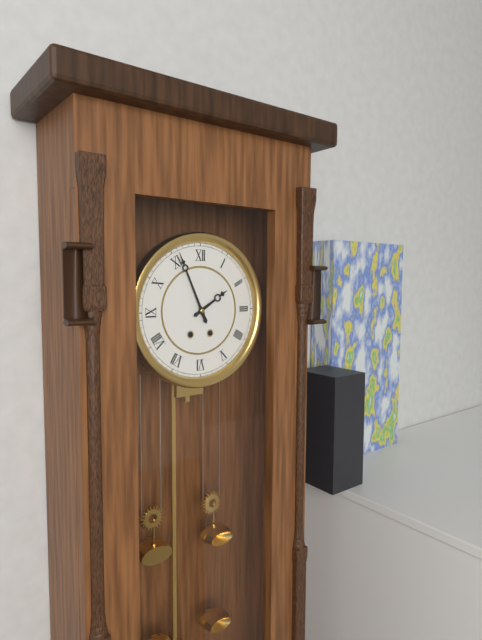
1:56
